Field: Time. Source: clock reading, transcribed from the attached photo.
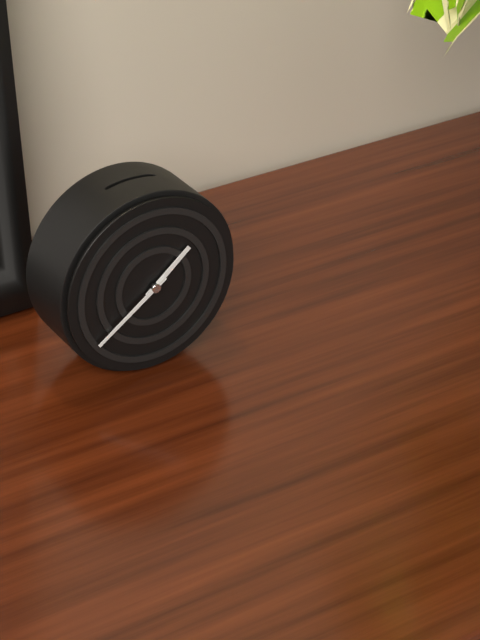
1:39
